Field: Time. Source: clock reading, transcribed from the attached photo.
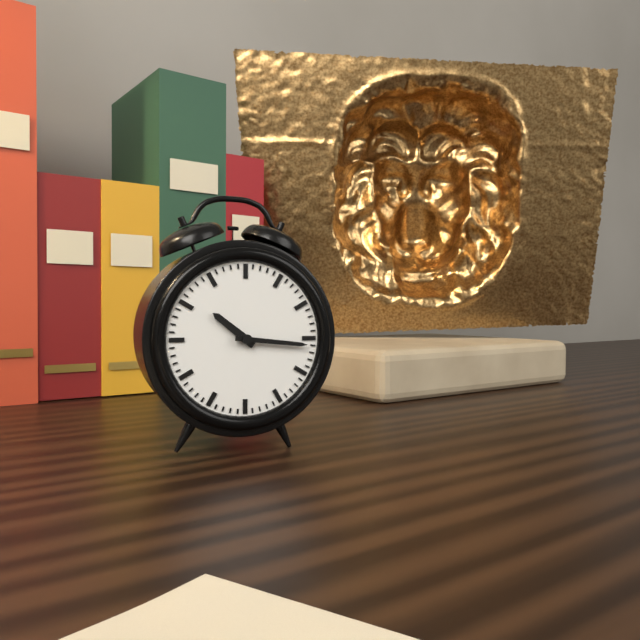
10:16
